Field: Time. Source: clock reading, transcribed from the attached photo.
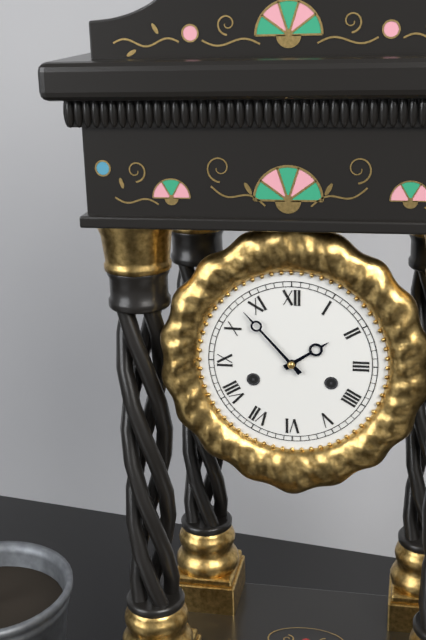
1:53
